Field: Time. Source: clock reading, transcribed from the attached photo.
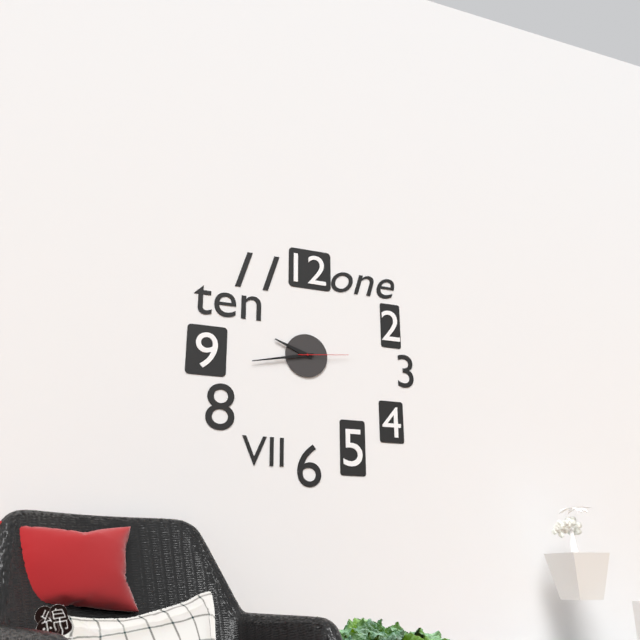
9:43:14
